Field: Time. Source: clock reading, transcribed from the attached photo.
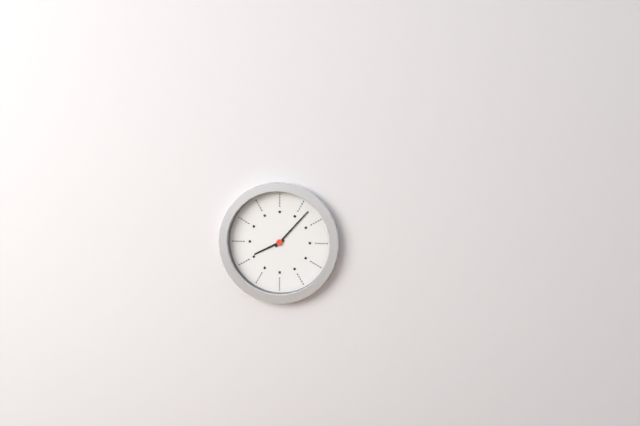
8:07
